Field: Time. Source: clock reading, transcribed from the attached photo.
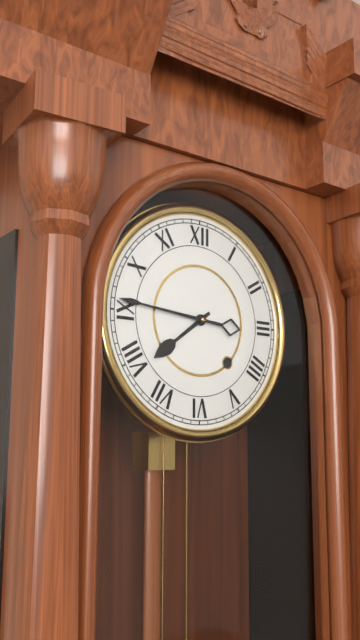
7:46
